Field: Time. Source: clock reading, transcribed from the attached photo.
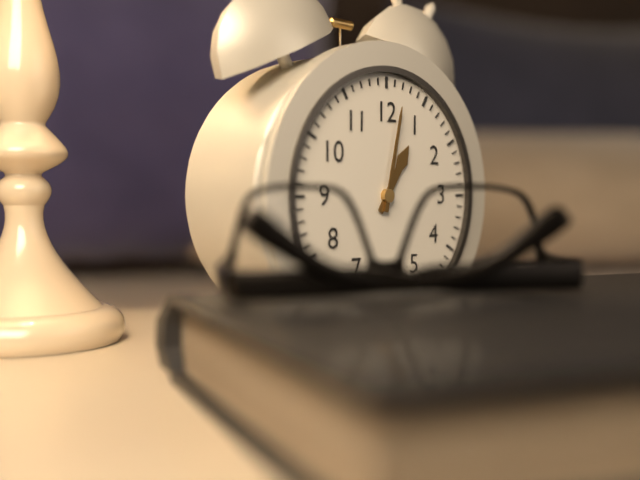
1:02
